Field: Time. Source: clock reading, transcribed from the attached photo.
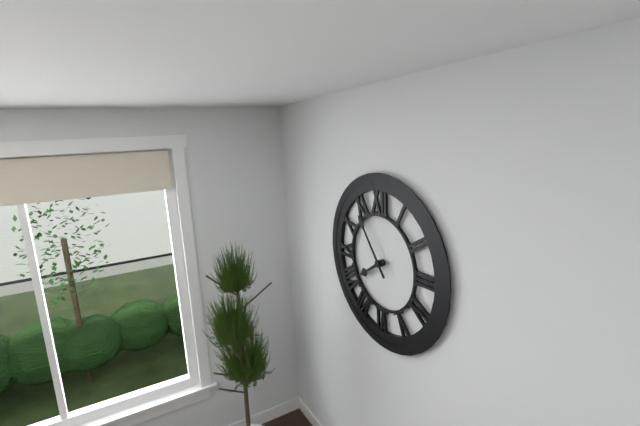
7:54
